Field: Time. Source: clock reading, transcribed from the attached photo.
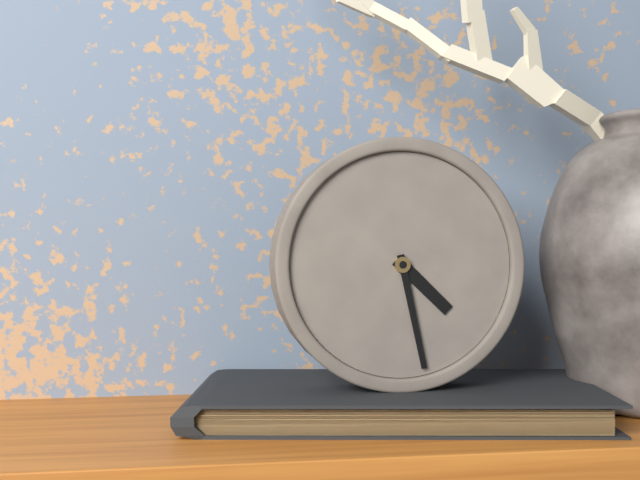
4:28
